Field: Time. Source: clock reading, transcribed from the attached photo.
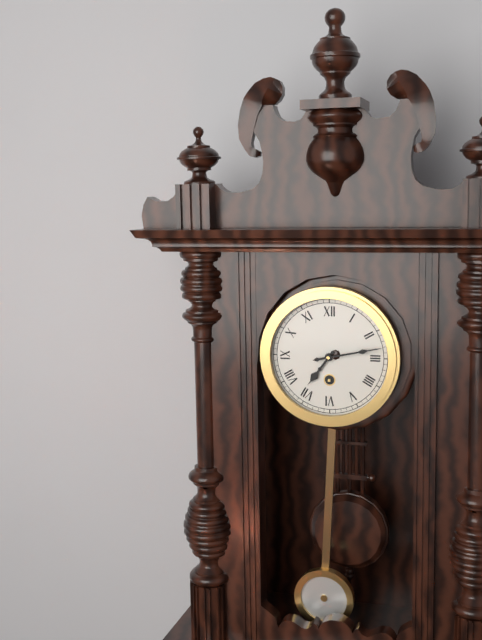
7:13
